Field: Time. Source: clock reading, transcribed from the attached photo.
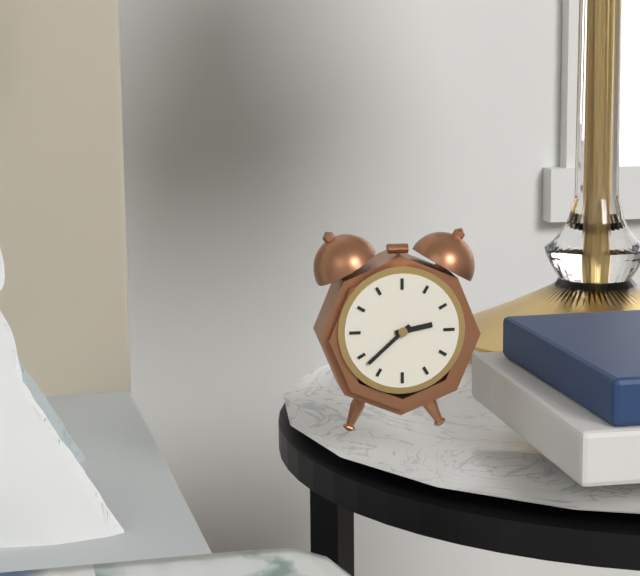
2:38
